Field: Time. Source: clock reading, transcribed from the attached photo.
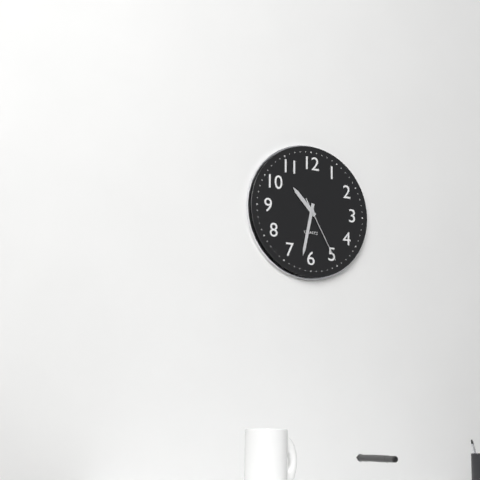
10:32:25
